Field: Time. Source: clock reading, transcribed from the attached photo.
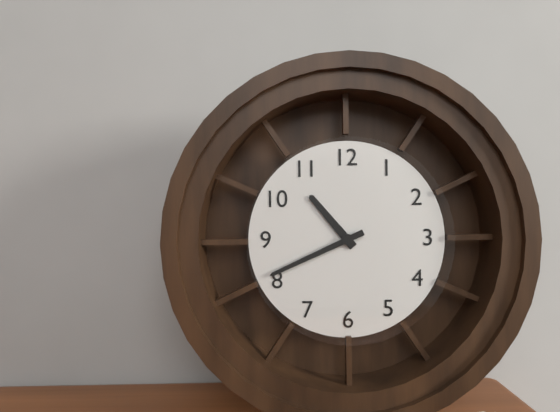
10:41
